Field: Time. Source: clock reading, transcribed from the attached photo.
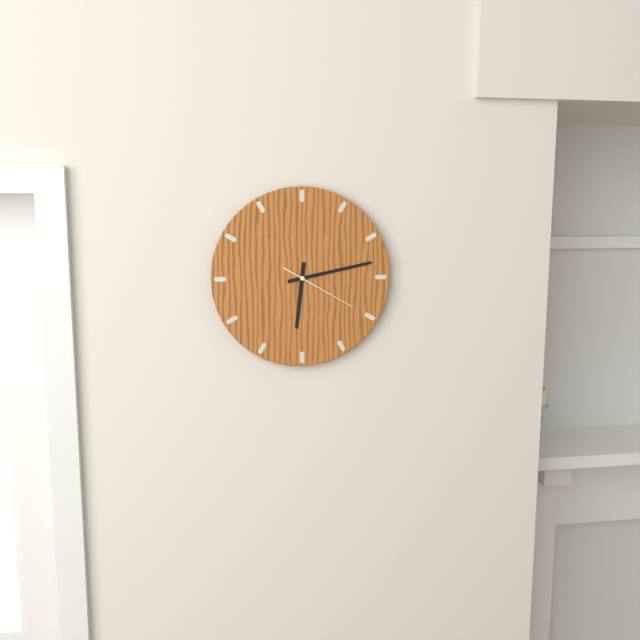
6:13:20
